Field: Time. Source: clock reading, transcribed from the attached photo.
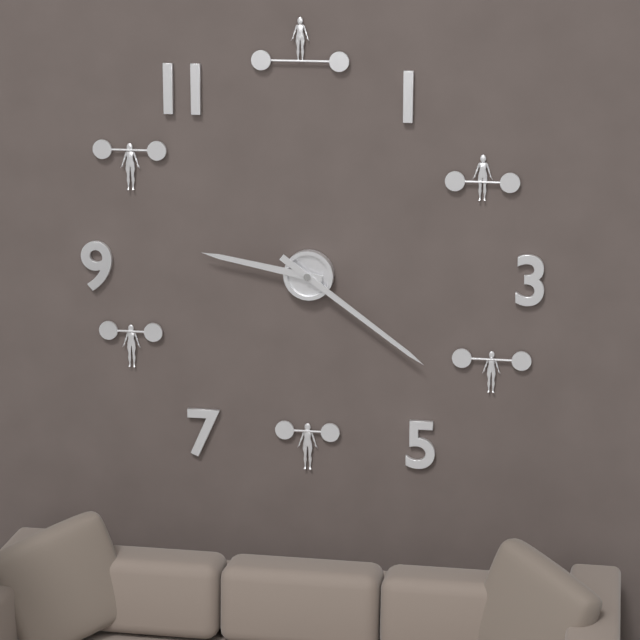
9:21
